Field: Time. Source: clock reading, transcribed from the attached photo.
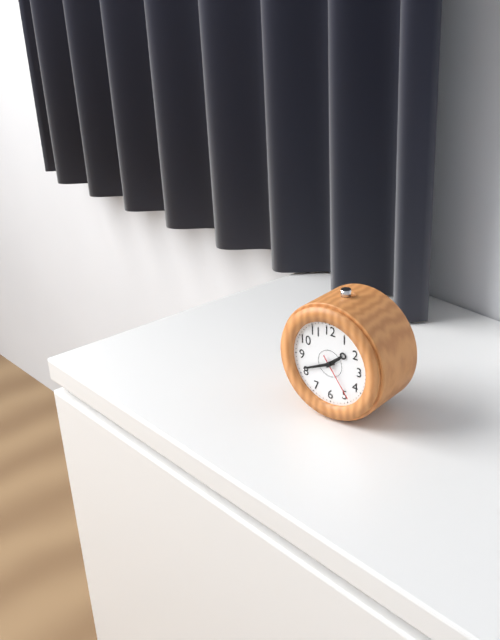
1:41:24
